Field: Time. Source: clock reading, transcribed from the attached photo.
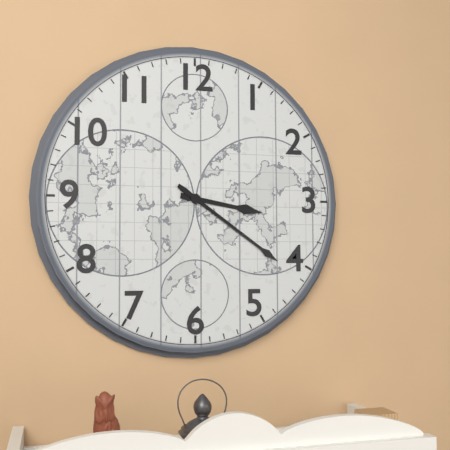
3:21
